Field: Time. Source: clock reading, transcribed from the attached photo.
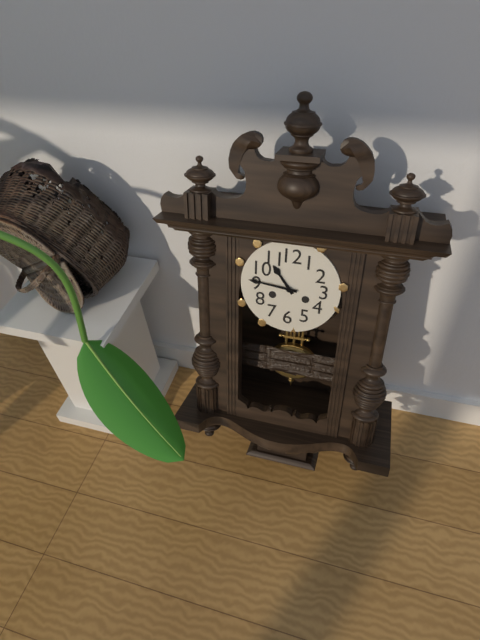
10:46
